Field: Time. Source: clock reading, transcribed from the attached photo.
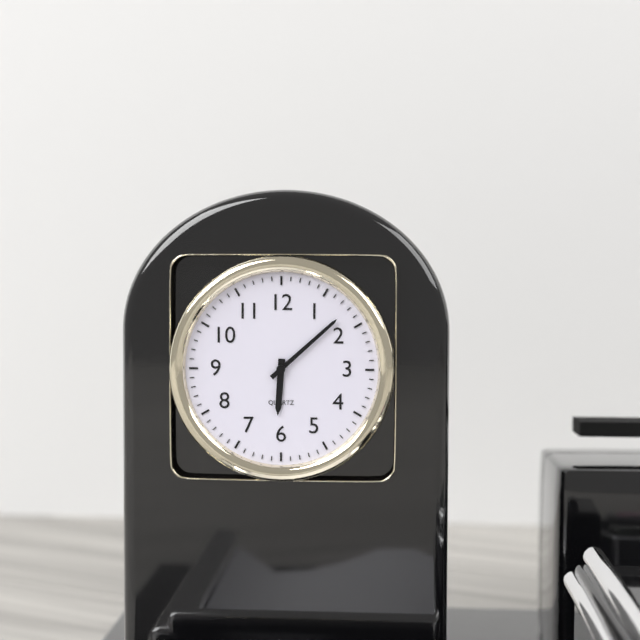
6:08
